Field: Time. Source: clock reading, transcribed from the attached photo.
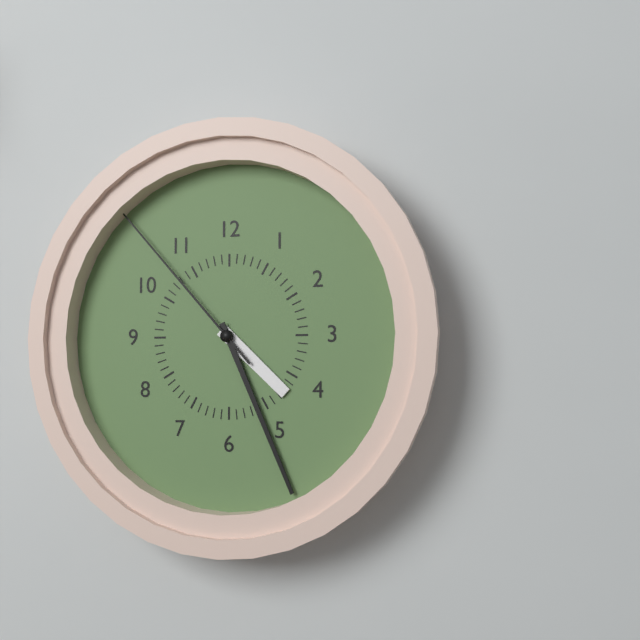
4:26:53
